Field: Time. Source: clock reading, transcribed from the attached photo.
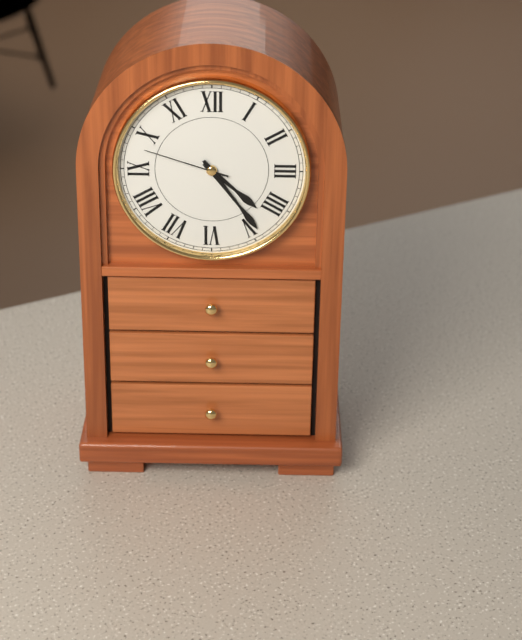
4:24:48
